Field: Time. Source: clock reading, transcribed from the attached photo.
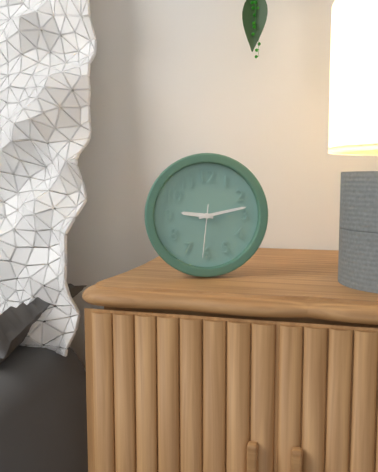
9:13:31
